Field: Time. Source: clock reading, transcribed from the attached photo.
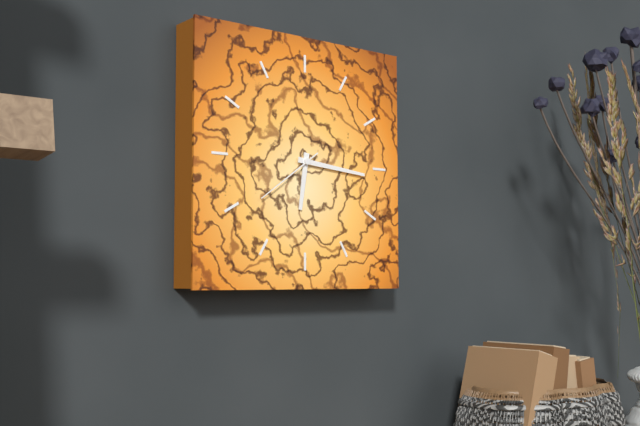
6:16:39
